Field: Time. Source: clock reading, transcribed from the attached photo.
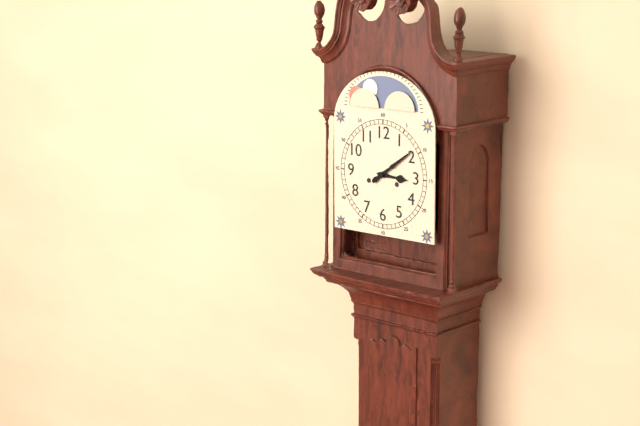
3:09
